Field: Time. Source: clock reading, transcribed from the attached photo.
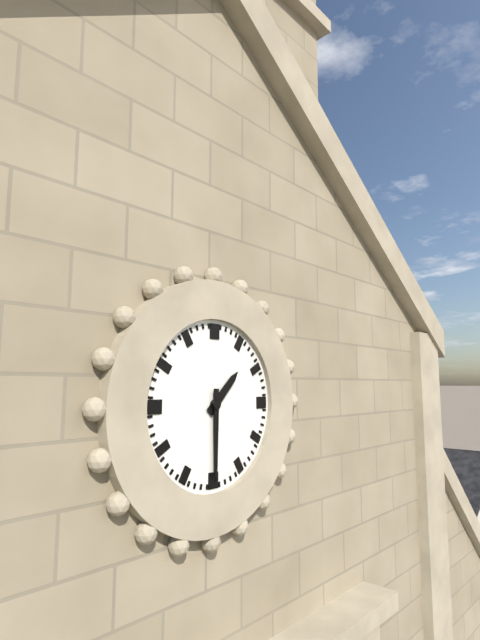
1:30
